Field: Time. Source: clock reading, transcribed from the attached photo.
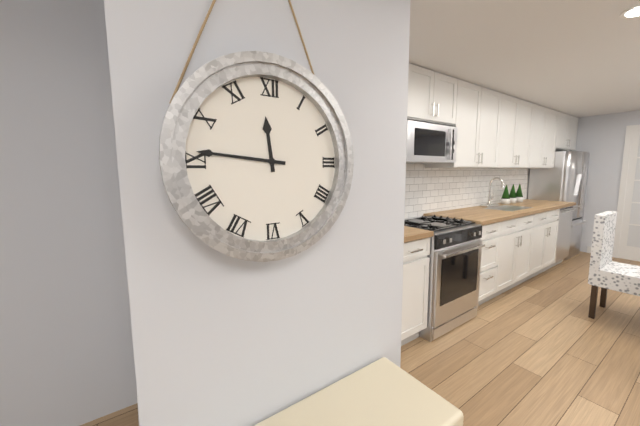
11:46
